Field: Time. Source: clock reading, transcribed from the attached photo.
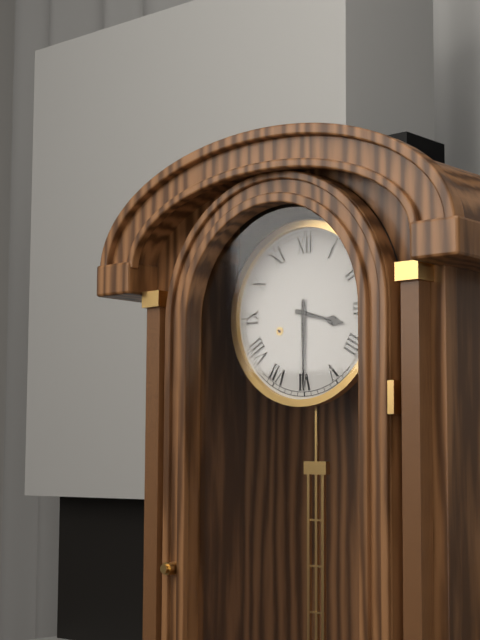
3:30
